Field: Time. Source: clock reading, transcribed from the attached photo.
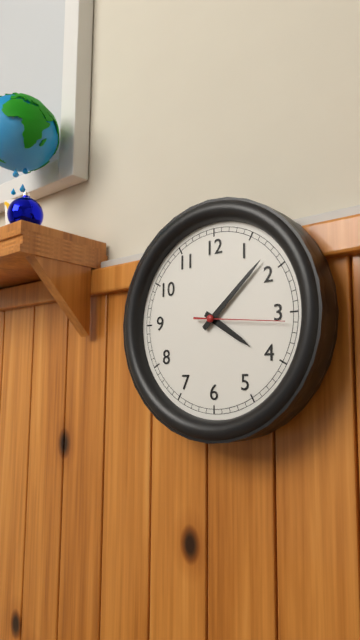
4:08:16
